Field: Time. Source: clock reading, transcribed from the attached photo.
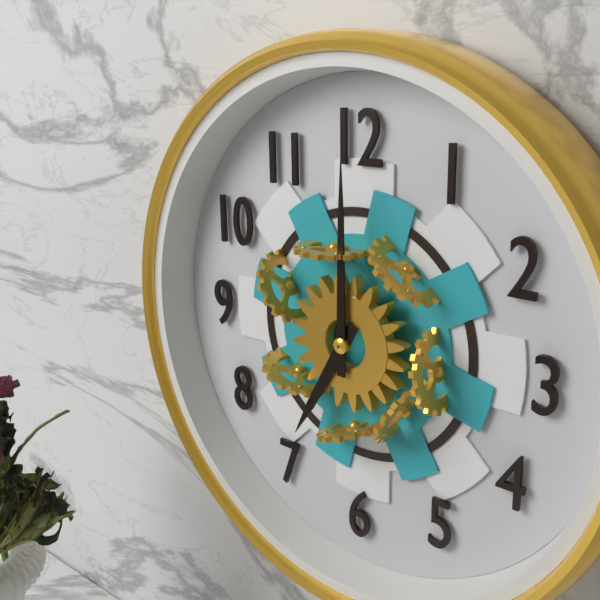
7:00
